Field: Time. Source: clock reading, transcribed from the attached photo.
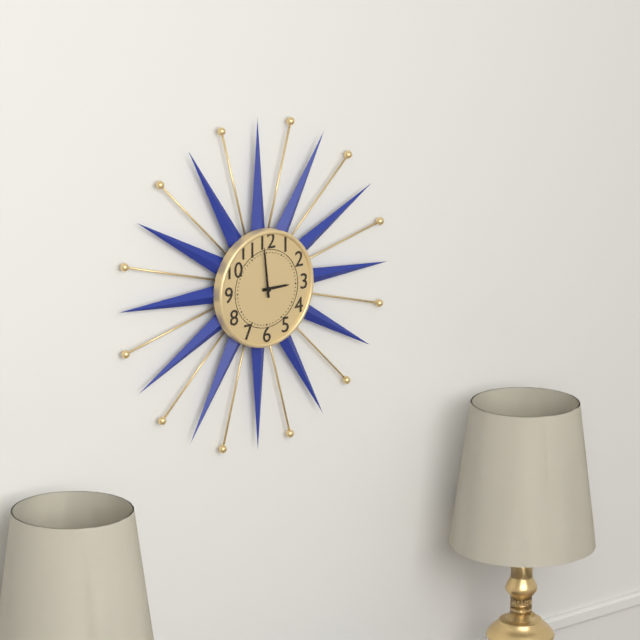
2:59
